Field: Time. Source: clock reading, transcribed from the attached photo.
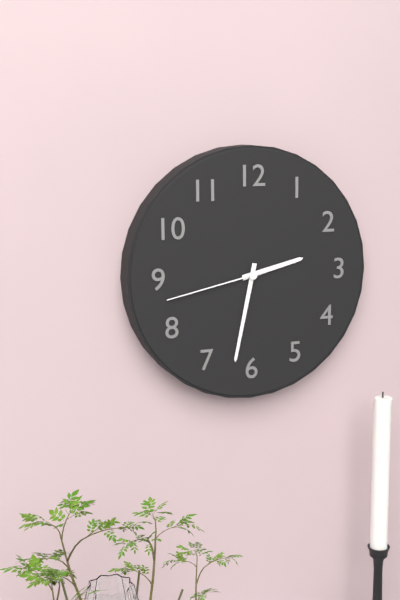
2:32:43
